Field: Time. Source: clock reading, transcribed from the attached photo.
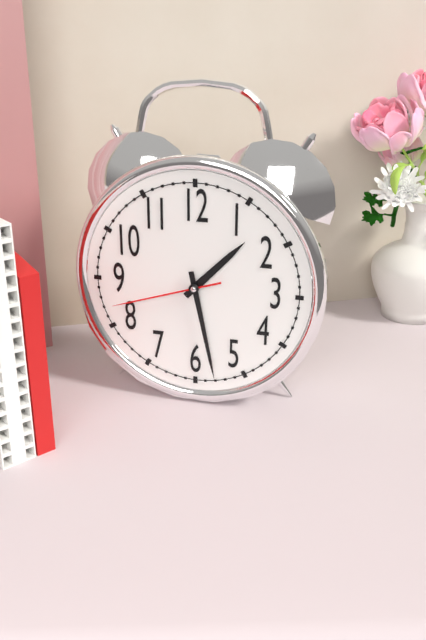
1:28:42
